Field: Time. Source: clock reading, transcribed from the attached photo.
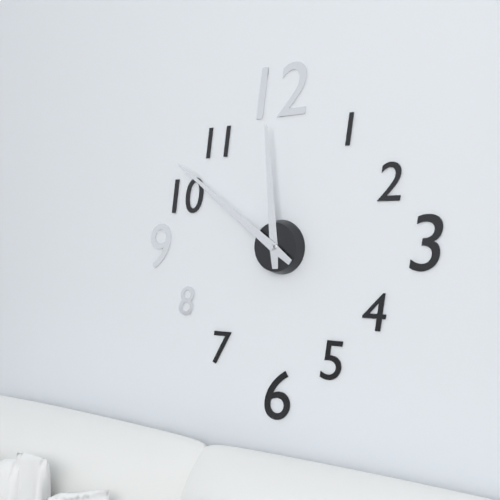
11:51
